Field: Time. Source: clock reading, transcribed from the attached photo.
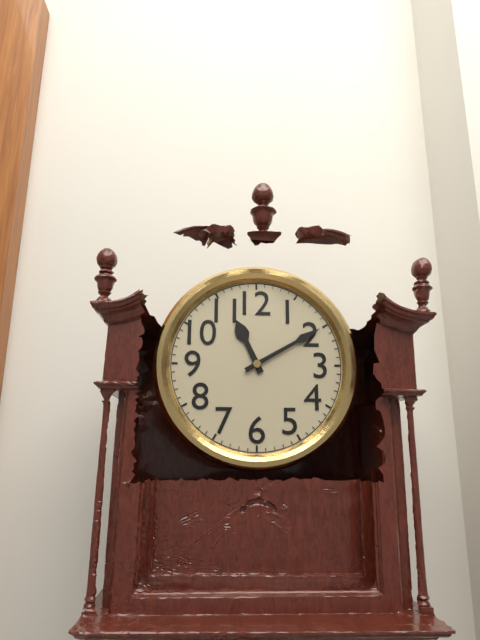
11:10
